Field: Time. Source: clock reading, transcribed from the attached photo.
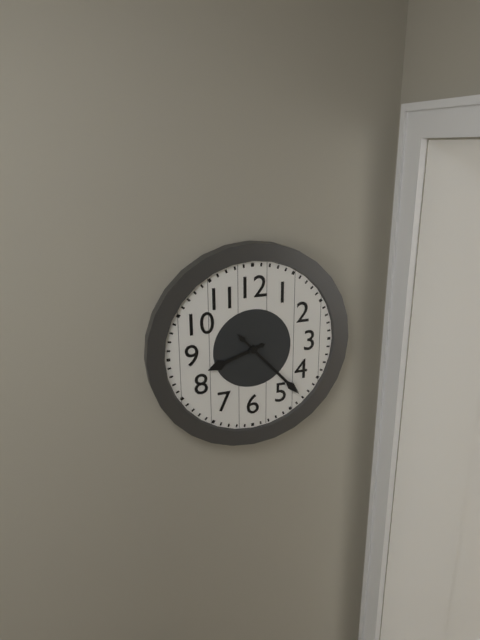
8:23
